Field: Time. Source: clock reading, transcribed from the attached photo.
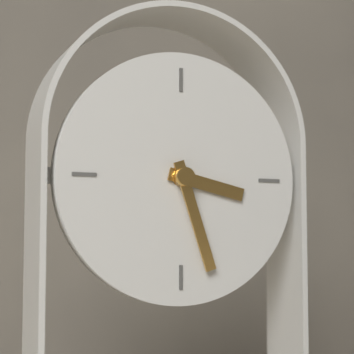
3:27
